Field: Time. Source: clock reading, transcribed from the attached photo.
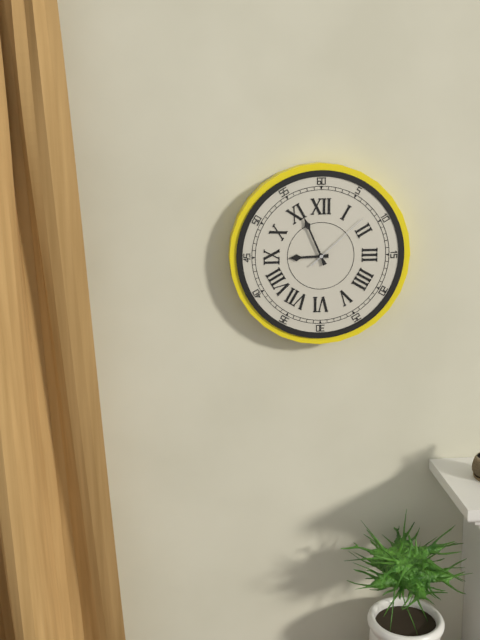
8:56:08
